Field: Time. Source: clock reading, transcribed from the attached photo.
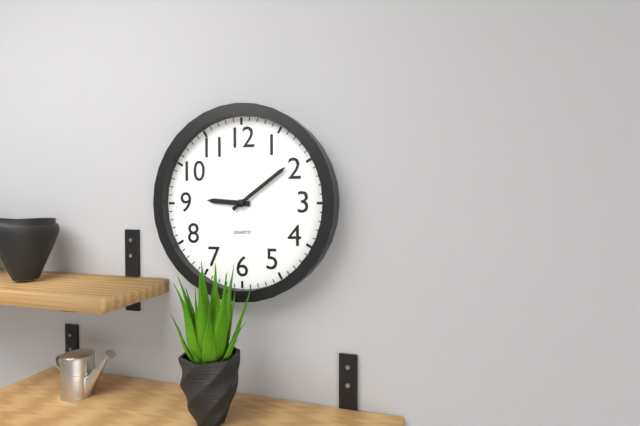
9:09
